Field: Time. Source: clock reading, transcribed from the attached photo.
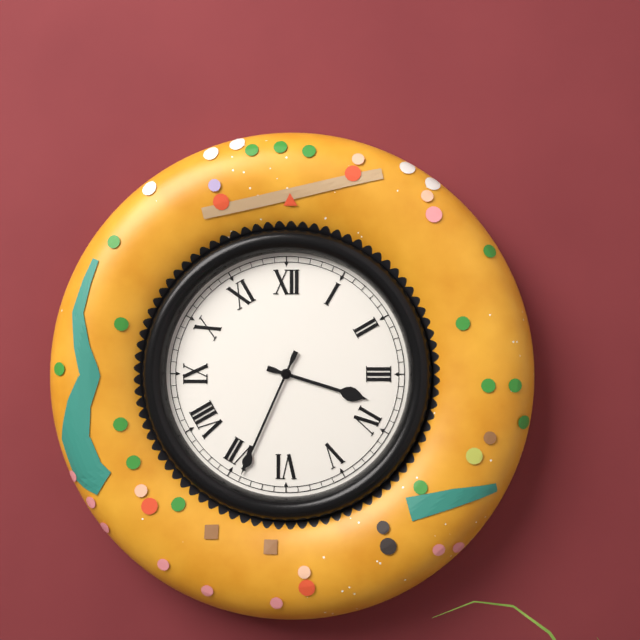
3:34
